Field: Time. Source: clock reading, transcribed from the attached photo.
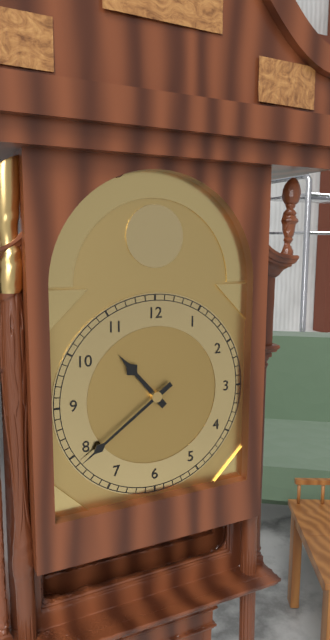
10:39
